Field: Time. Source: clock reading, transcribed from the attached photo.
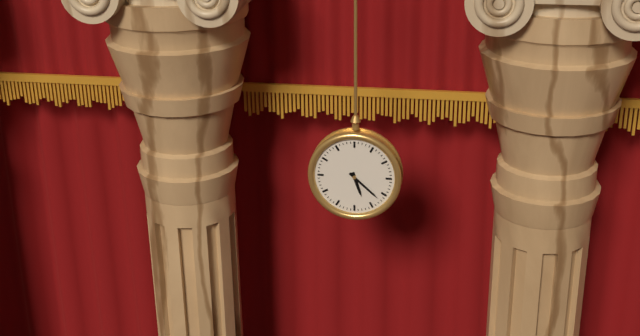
5:22
